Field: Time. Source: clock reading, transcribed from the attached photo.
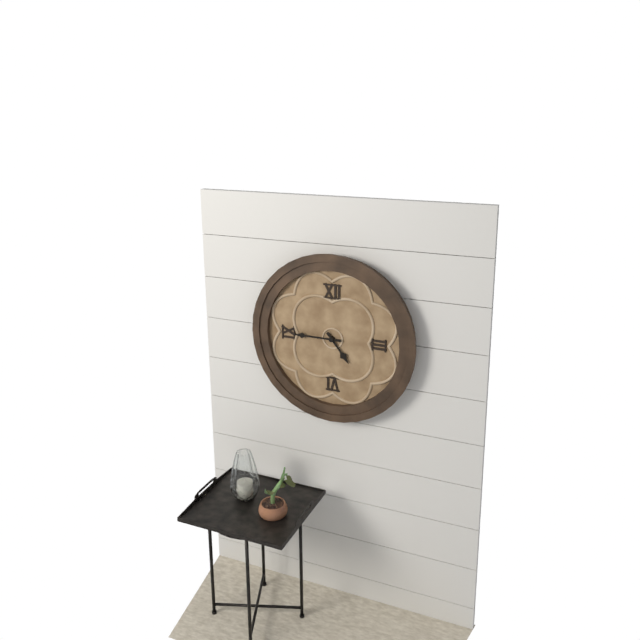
4:45
